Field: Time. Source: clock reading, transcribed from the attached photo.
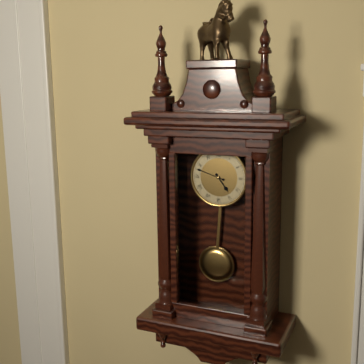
4:48
